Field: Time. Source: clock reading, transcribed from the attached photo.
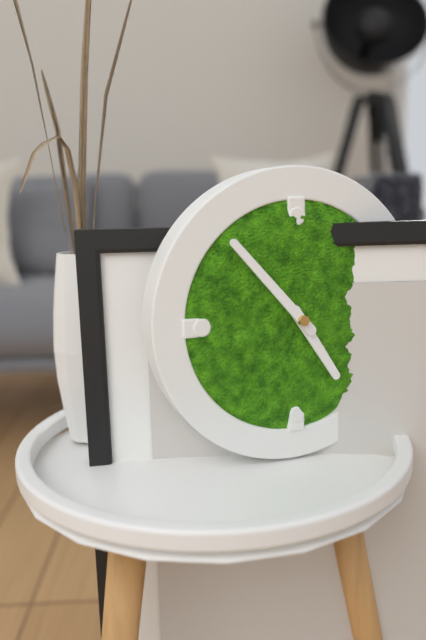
4:53
